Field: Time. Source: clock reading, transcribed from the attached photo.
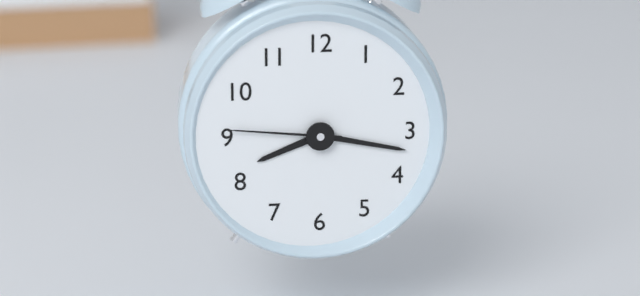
8:17:46
